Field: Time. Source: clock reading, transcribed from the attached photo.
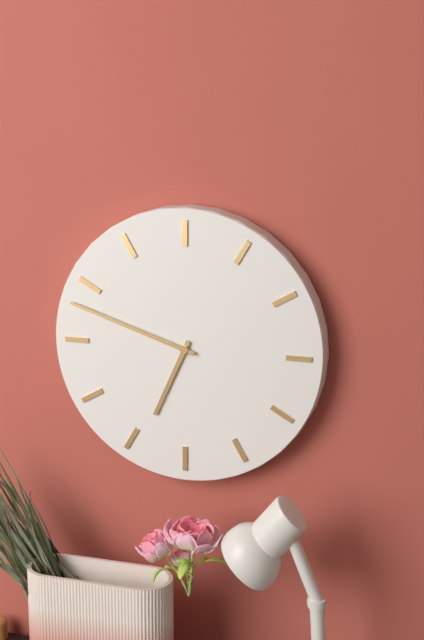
6:48
